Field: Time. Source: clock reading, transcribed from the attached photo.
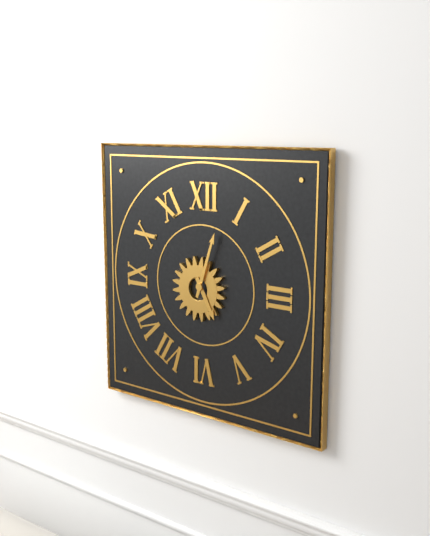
5:03
